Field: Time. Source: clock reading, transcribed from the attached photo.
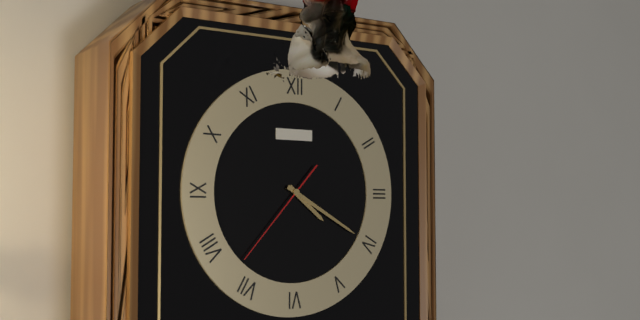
4:20:37
